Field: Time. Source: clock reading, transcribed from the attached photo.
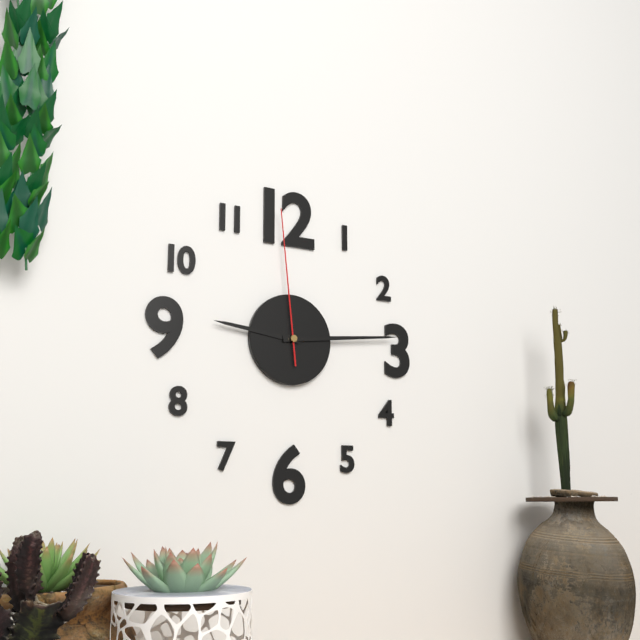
9:14:59
